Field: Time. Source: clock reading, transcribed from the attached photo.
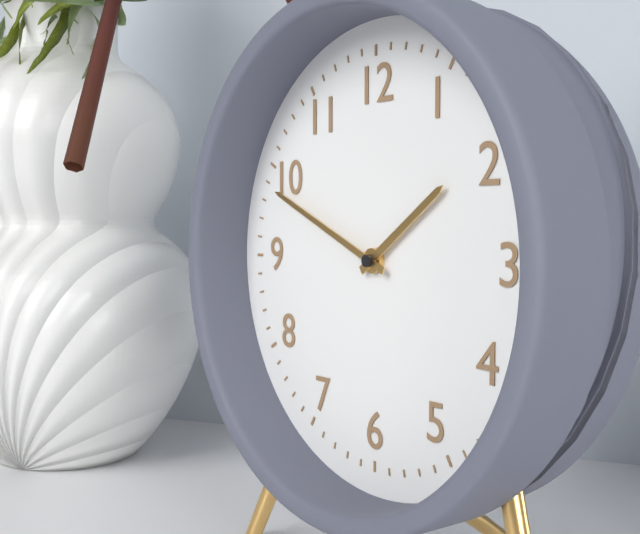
1:49
